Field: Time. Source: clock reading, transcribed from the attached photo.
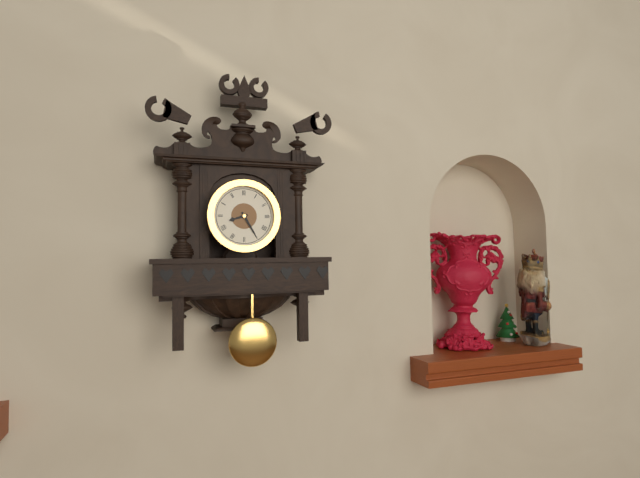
8:25
